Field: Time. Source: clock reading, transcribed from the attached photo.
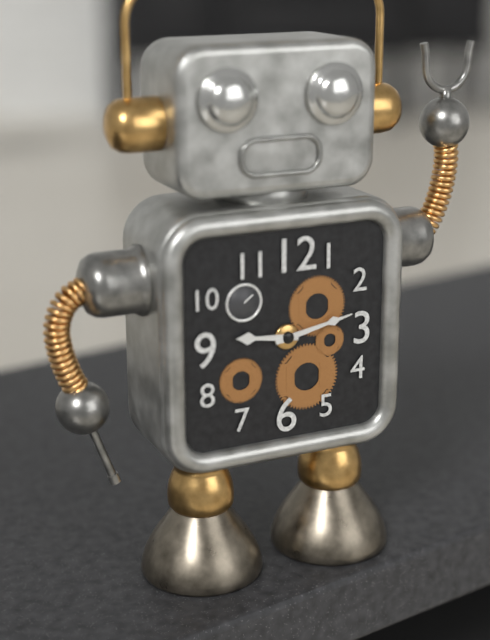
9:13
